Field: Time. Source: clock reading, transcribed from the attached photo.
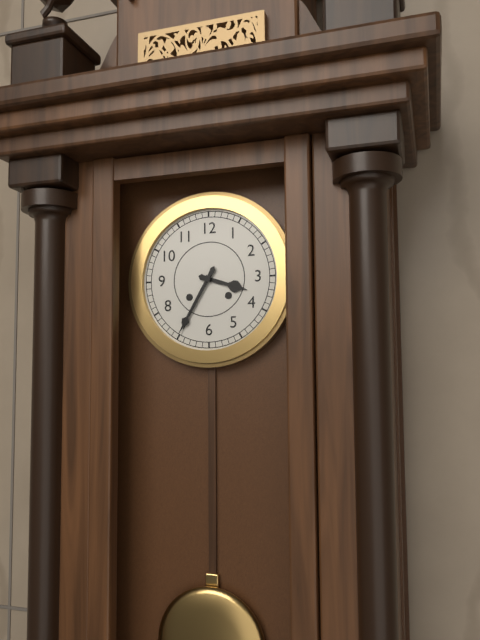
3:35
